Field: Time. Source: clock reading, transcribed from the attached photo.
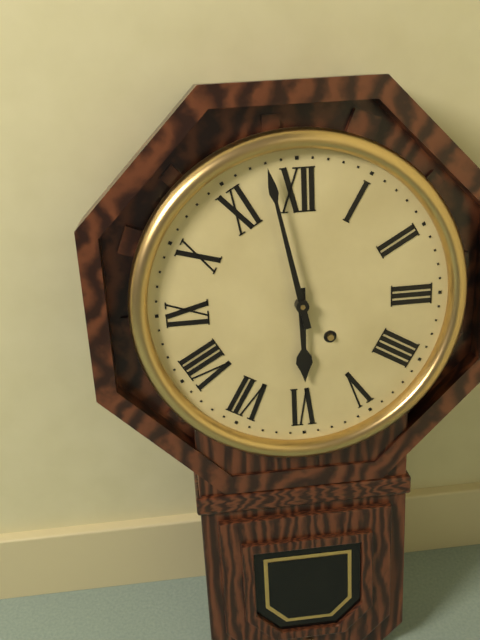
5:58
